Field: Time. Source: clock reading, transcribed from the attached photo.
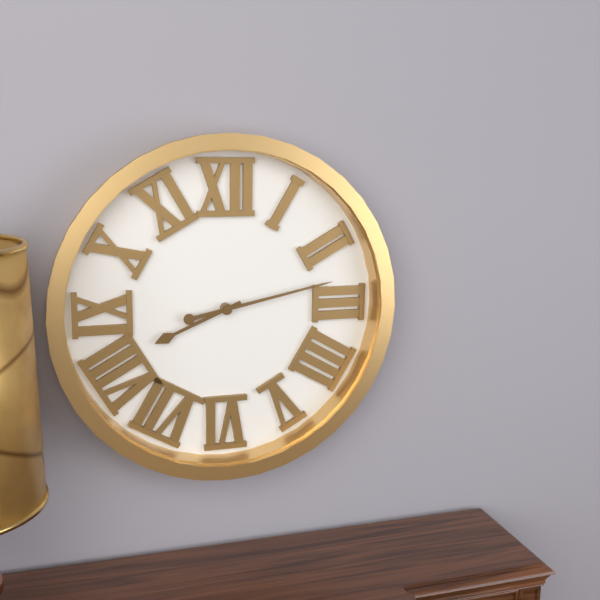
8:13
